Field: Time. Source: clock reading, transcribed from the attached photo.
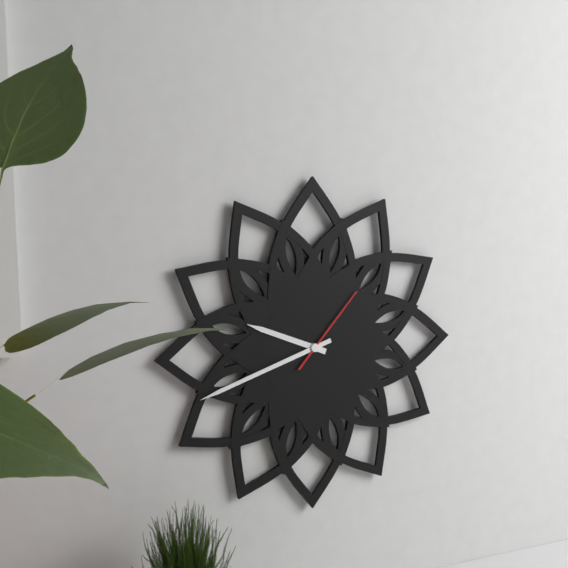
9:42:07
